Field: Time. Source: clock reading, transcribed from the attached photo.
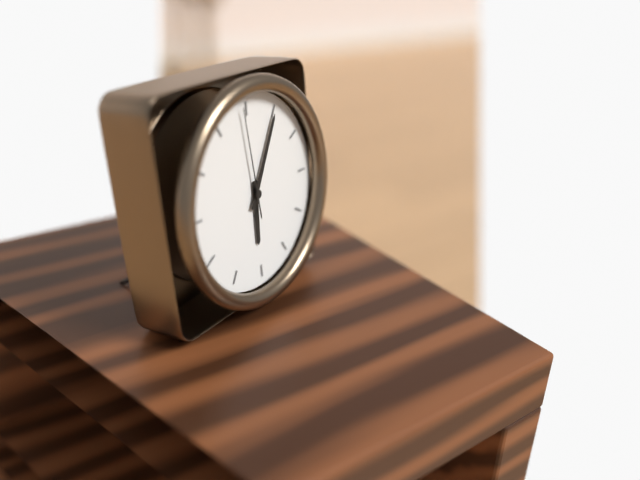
6:05:59
